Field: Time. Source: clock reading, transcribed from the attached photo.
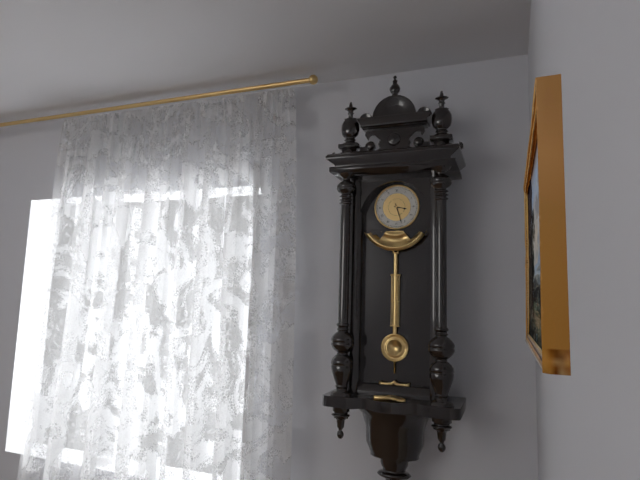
3:27
